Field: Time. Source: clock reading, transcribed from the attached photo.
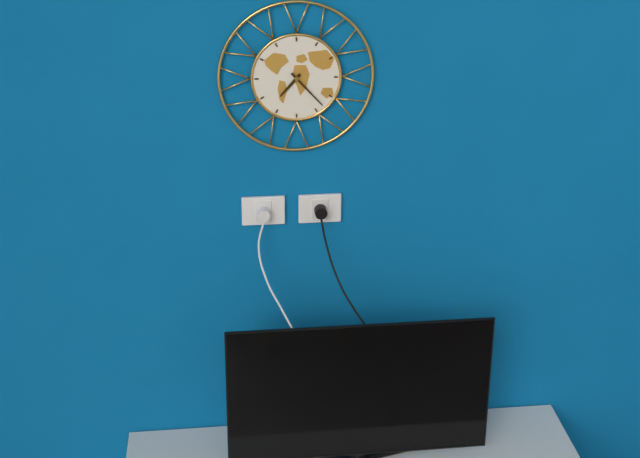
7:23
